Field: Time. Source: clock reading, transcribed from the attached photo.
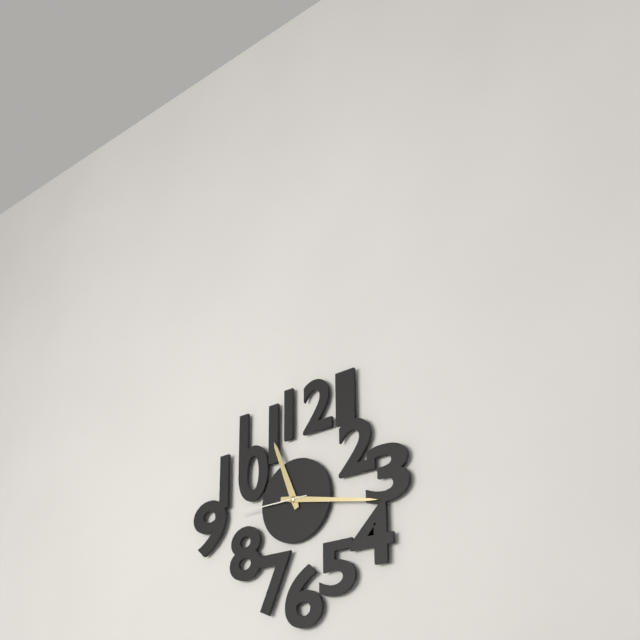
11:17:45
